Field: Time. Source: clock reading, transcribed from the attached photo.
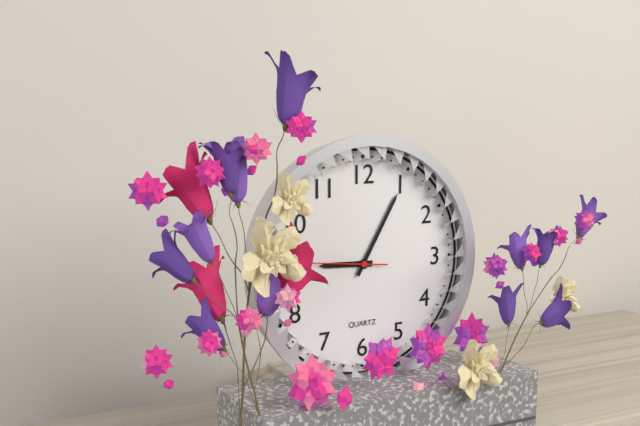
9:05:46
